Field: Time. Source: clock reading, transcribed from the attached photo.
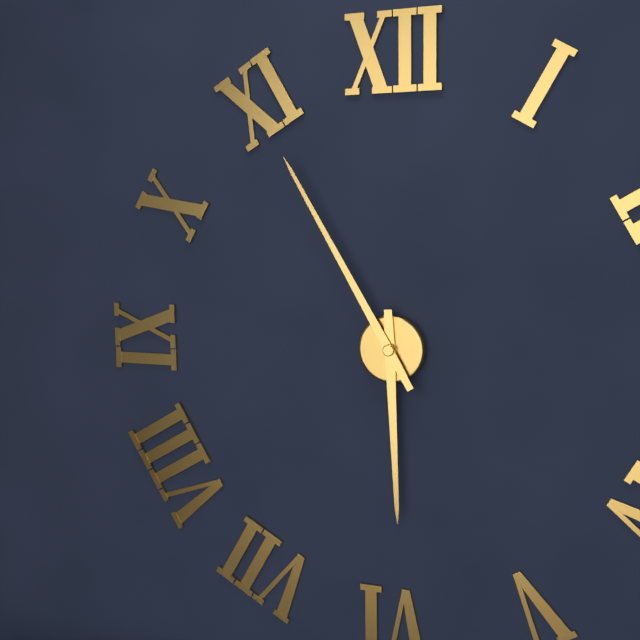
5:55
